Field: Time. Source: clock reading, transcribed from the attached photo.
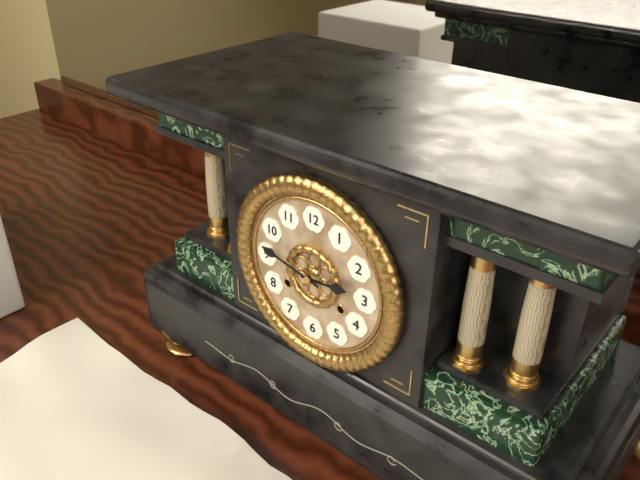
2:47
